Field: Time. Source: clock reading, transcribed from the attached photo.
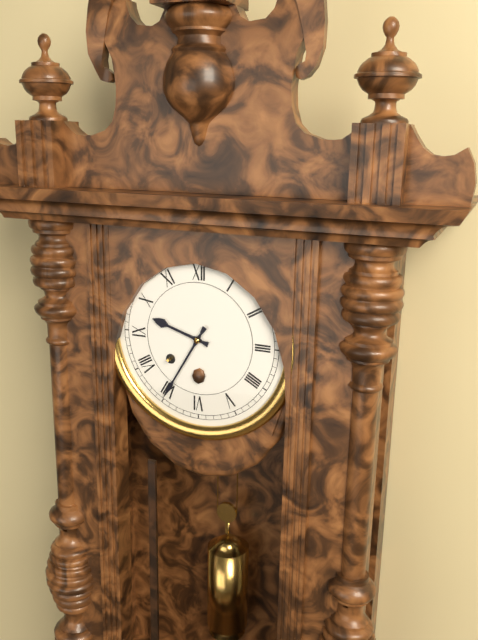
9:35
